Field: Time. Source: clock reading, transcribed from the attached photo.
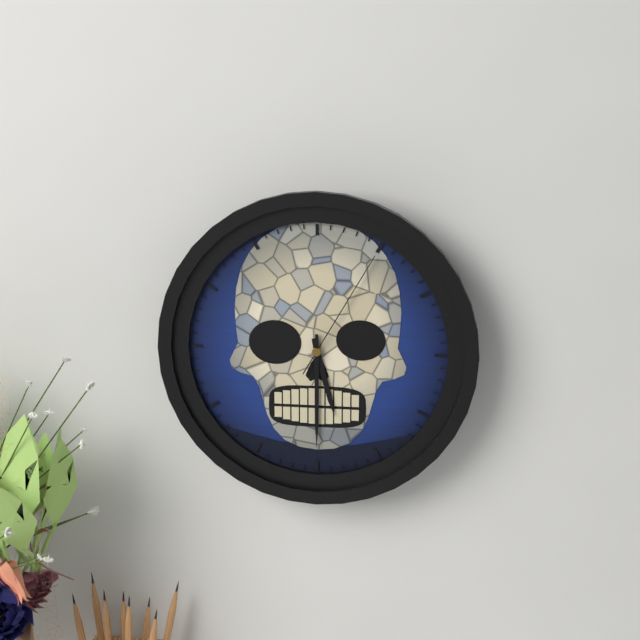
5:30:05
